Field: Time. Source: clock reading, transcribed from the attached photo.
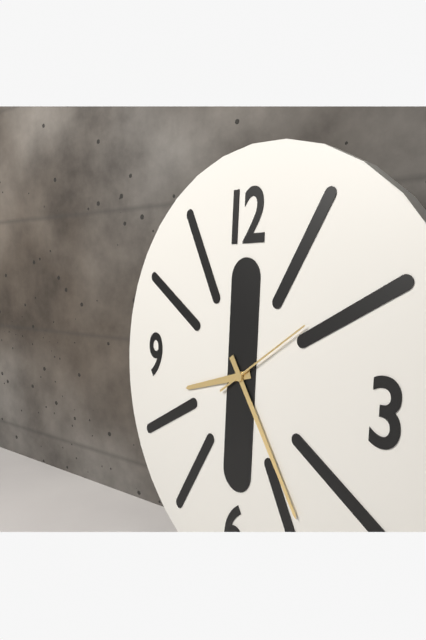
8:24:09
